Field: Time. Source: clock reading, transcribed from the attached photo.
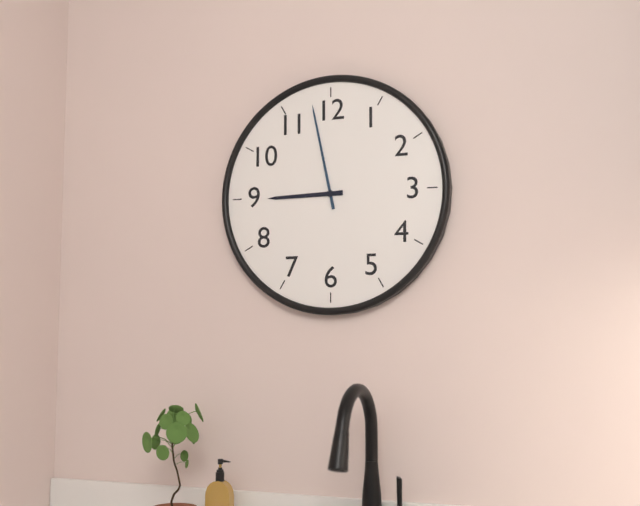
8:58
